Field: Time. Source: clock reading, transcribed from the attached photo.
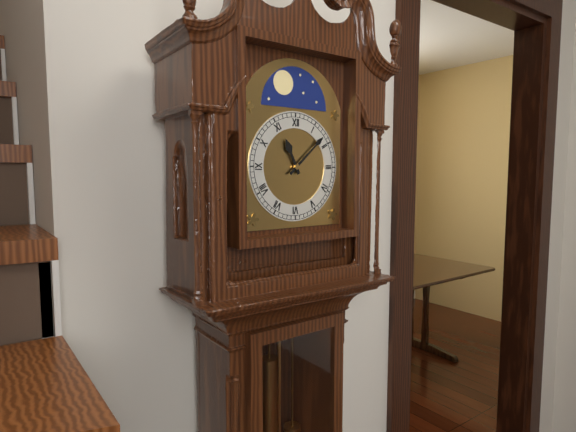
11:08
